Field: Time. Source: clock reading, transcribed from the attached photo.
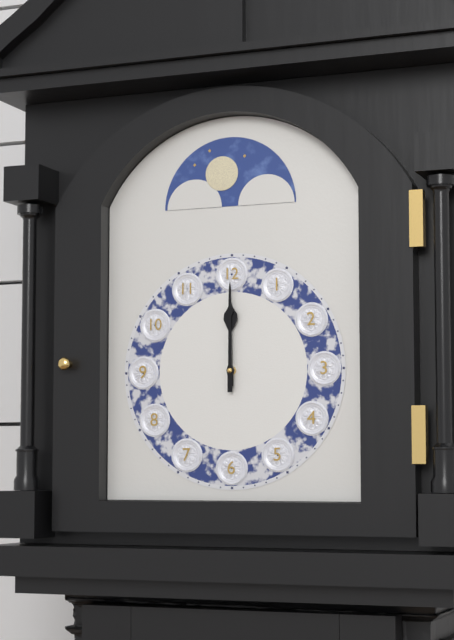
12:00
